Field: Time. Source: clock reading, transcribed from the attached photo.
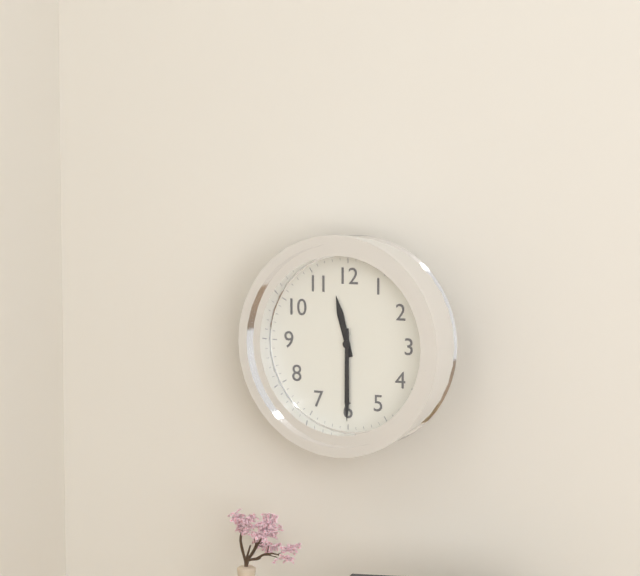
11:30
